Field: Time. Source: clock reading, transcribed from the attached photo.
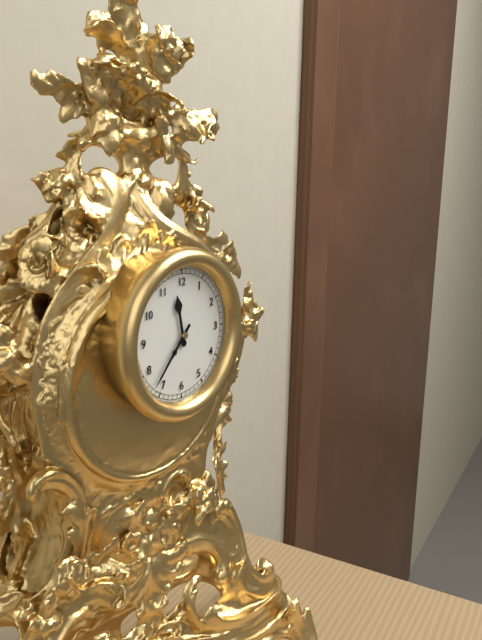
11:37
